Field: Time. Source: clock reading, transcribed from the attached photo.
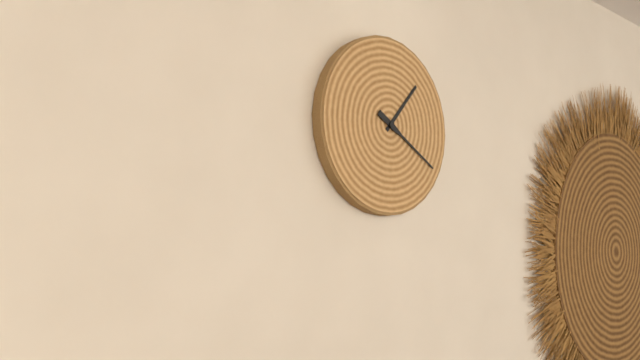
1:20
